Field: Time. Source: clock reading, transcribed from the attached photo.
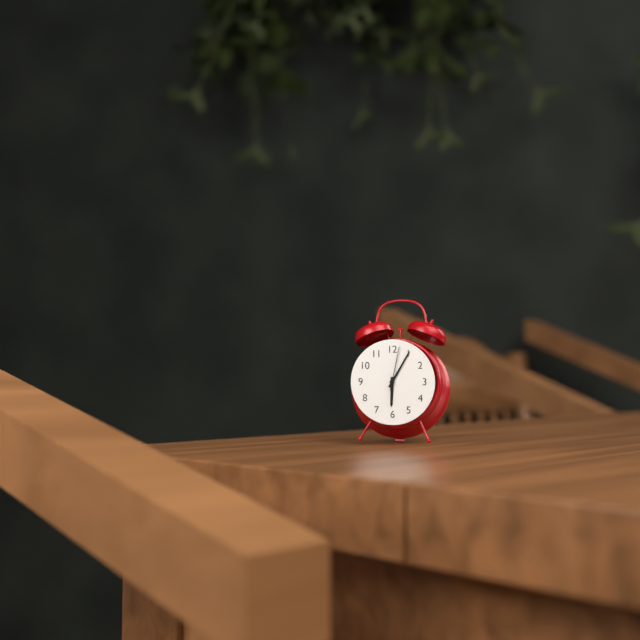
6:05
